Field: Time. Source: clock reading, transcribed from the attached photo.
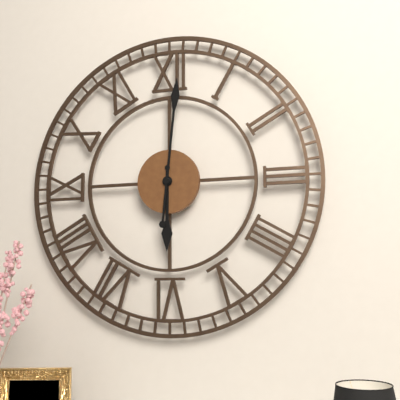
6:01
